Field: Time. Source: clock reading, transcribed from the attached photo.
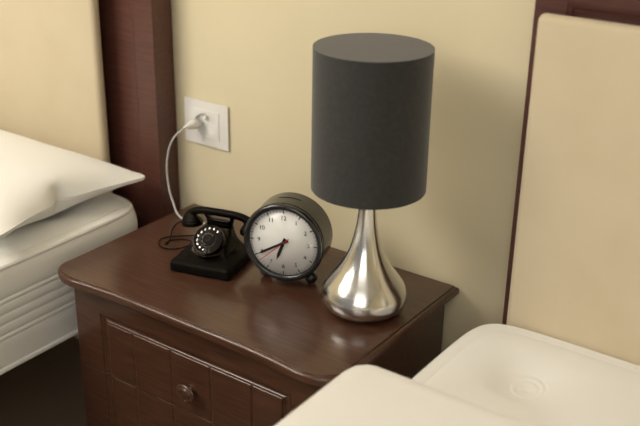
6:40
